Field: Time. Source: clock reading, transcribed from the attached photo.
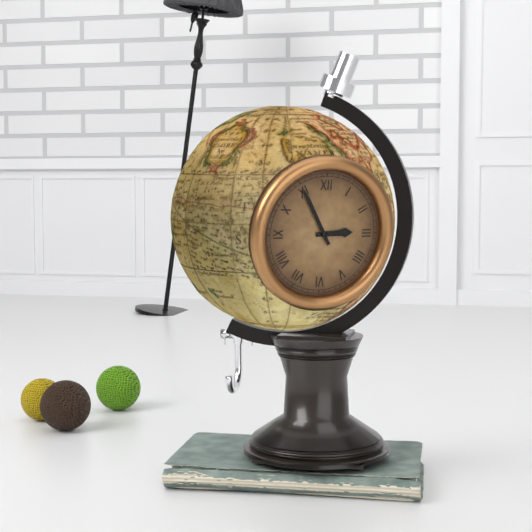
2:55
